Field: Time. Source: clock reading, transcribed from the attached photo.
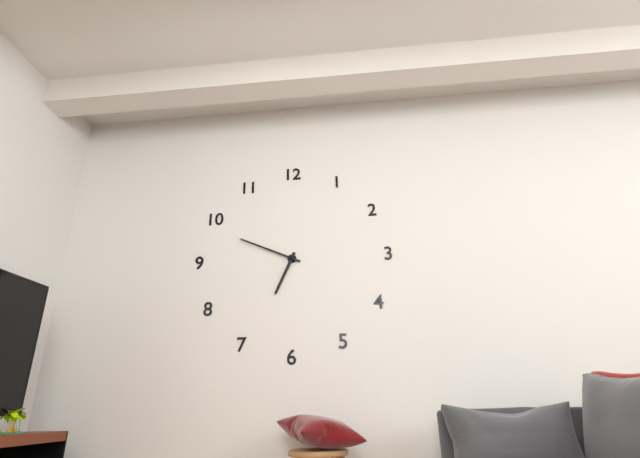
6:49
